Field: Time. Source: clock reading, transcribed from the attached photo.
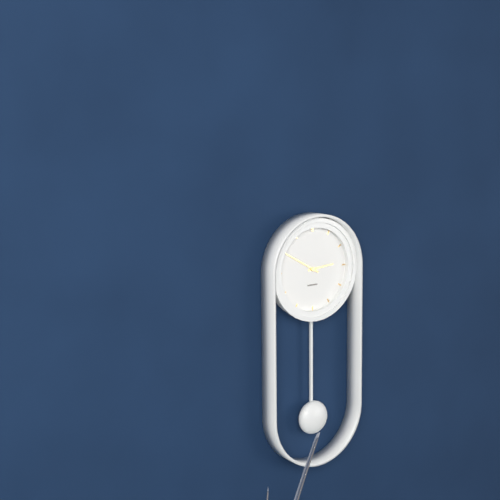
2:50
